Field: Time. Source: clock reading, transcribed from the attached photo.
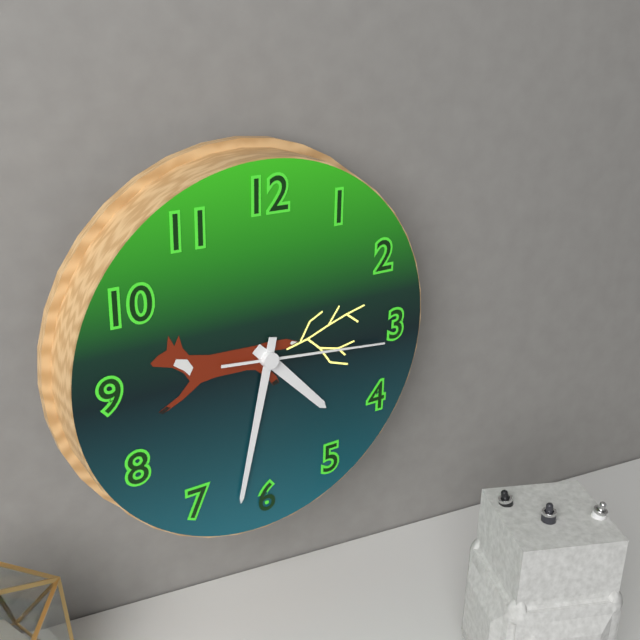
4:32:16
